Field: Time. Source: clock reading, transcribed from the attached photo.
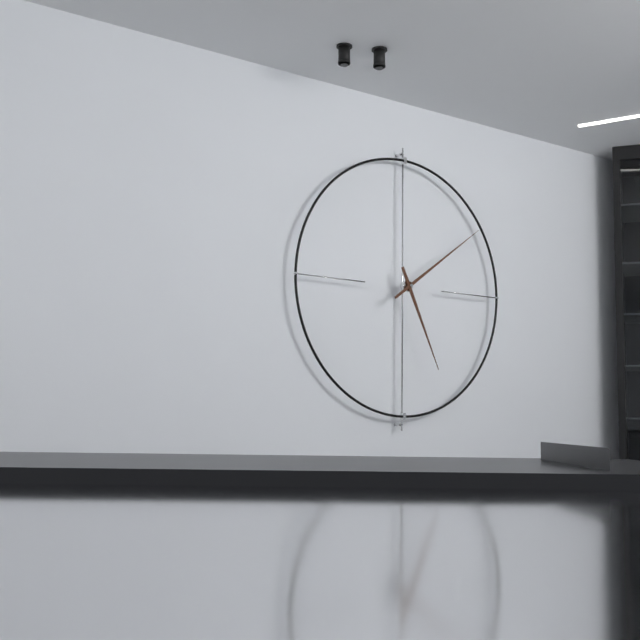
5:09
